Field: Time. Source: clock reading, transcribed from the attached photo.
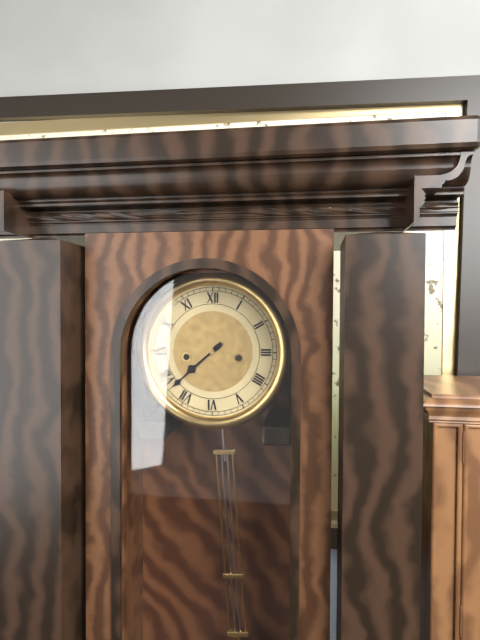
7:38
